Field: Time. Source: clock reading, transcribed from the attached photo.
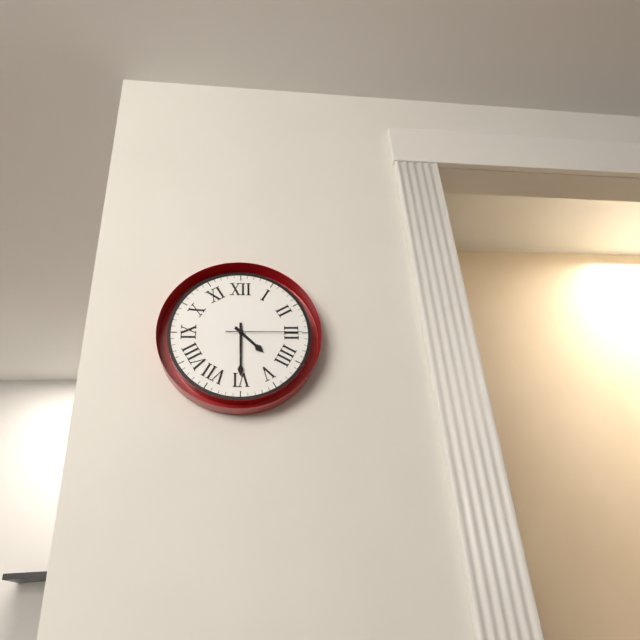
4:30:15
